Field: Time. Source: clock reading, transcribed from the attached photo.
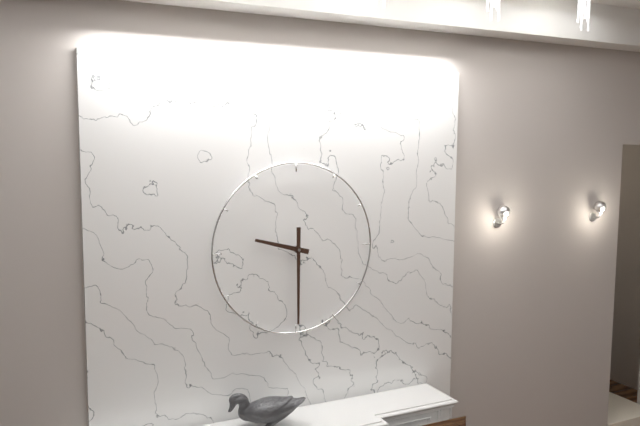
9:30
